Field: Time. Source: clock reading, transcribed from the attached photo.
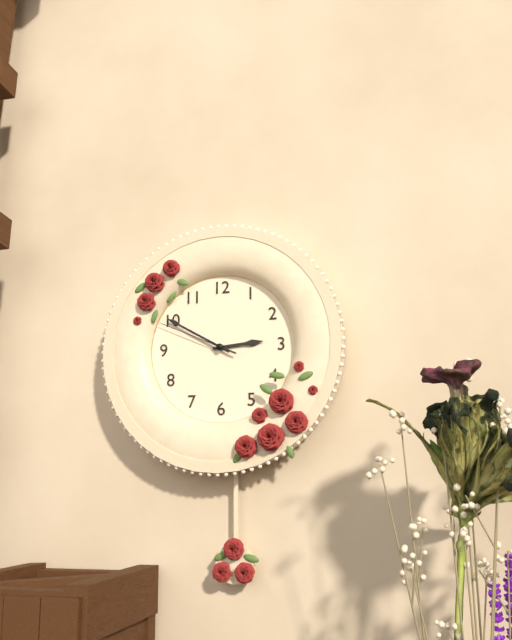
2:50:49
